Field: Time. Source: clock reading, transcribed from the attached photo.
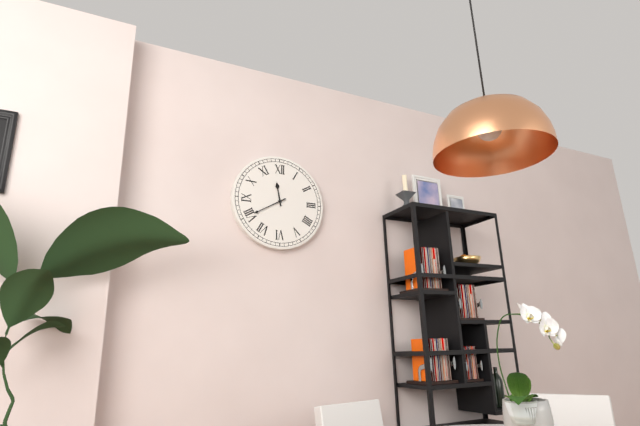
11:40
